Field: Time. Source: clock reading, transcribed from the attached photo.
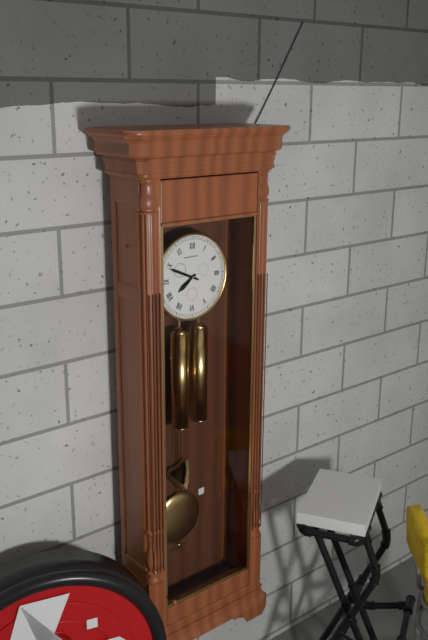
7:49
